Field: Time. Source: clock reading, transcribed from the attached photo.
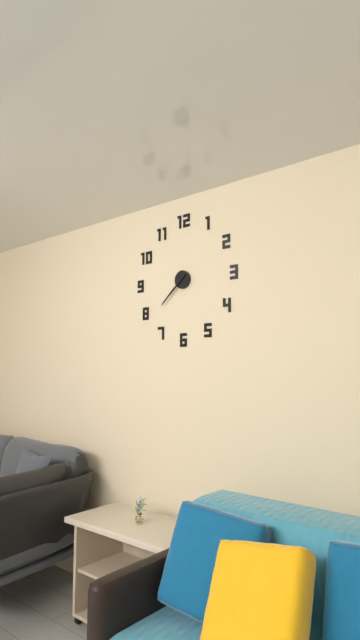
7:38
